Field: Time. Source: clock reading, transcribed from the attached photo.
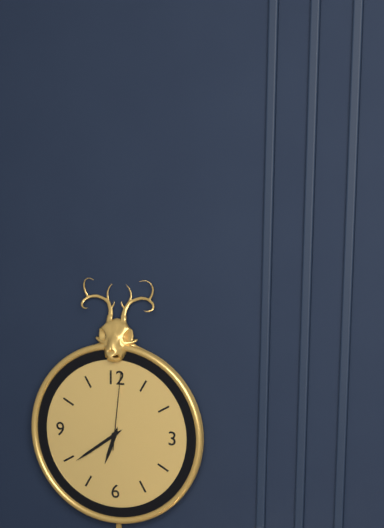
6:39:01
